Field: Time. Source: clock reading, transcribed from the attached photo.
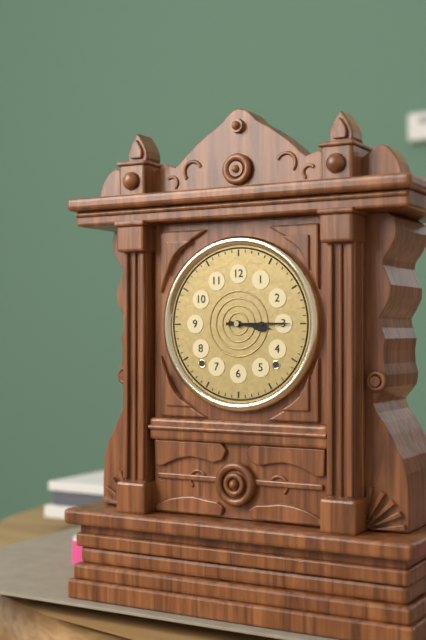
3:15
